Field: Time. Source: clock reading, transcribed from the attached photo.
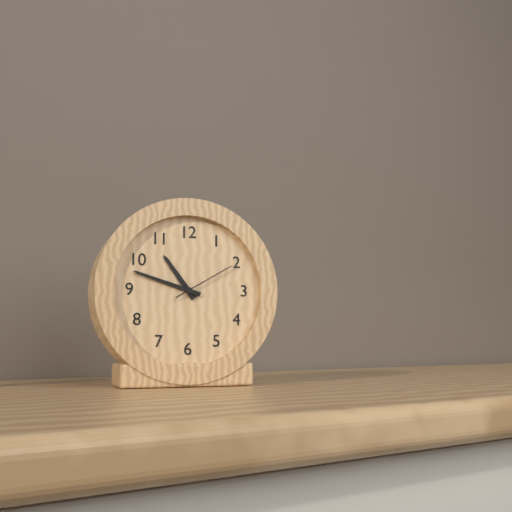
10:48:10
